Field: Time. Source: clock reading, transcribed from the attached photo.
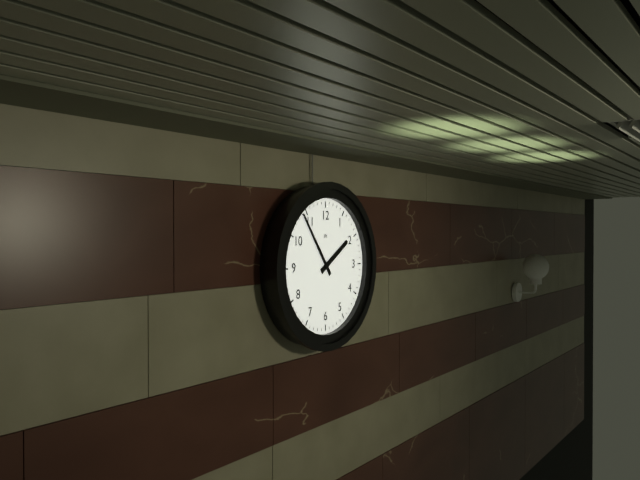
1:54
